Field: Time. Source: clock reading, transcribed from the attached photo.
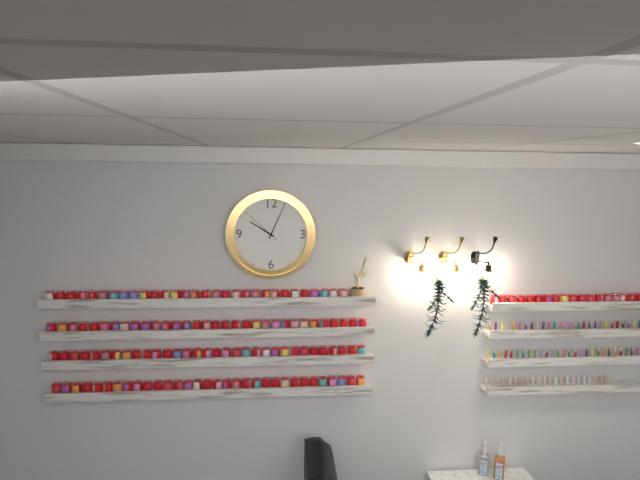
10:04
